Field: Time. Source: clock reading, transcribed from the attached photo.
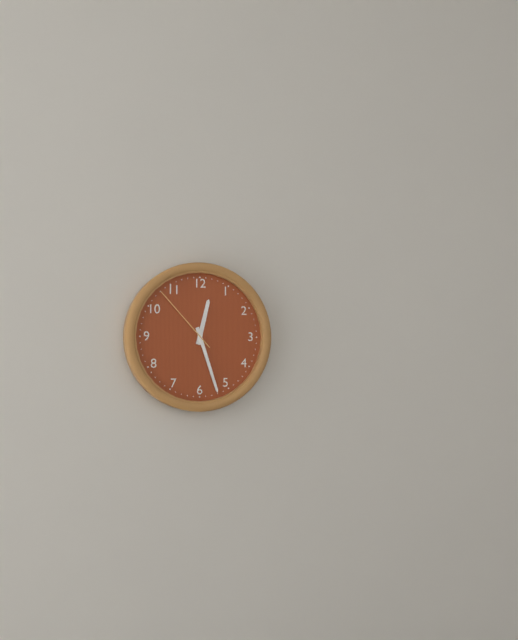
12:27:53
